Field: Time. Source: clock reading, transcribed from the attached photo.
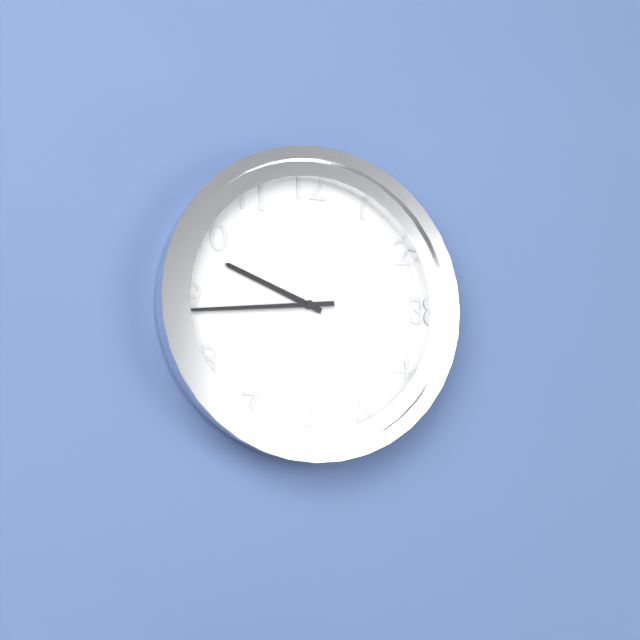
9:44
